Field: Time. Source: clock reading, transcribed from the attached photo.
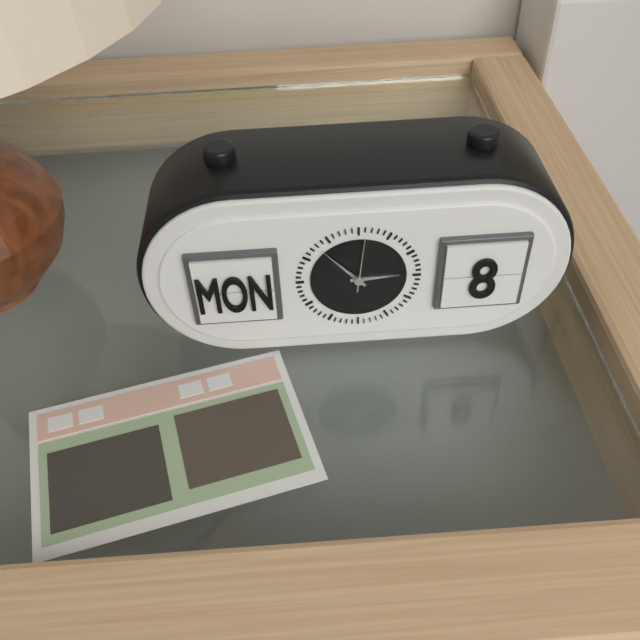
2:53
